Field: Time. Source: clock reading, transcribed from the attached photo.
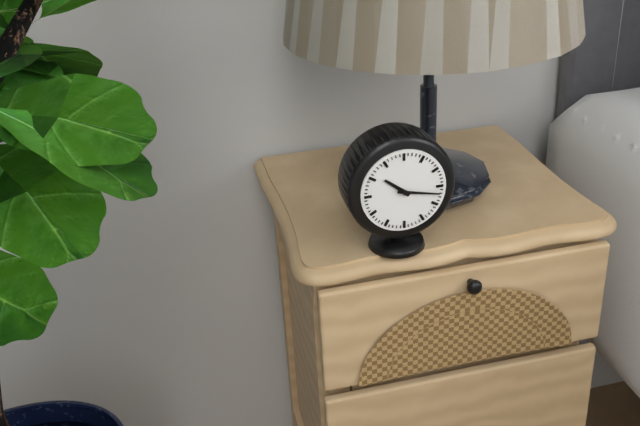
10:17
